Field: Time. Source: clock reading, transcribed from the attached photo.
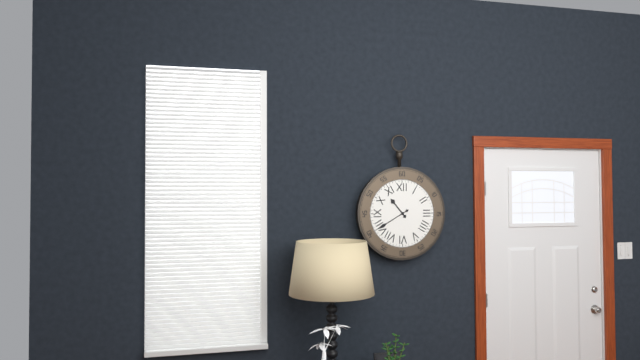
10:40
